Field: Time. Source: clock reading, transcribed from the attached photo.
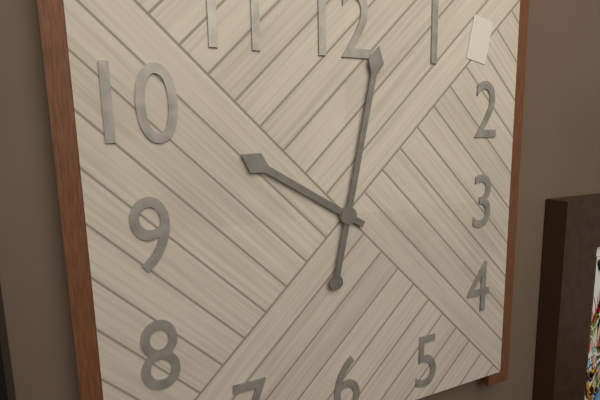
10:02
